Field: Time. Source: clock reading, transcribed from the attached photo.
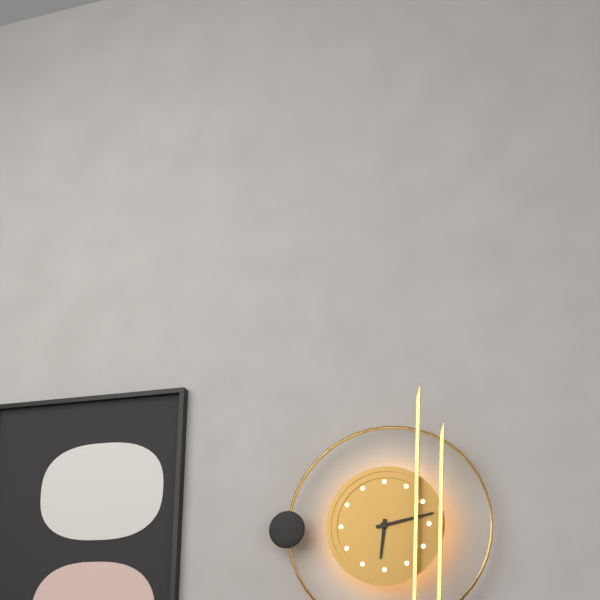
6:13
